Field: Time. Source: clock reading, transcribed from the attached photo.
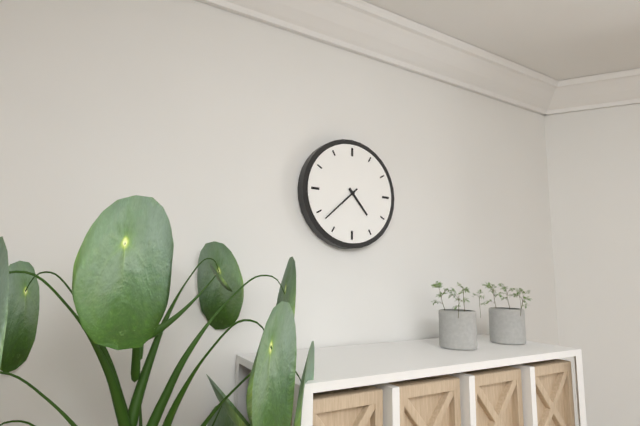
4:38
